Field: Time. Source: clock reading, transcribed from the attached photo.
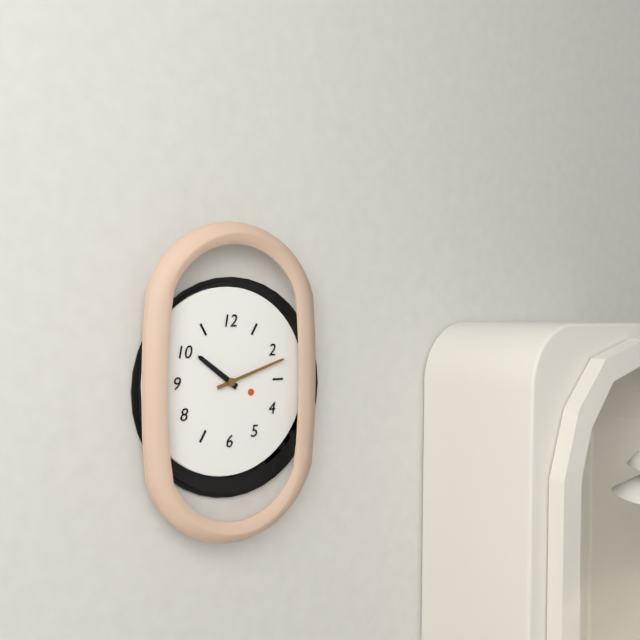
10:12
